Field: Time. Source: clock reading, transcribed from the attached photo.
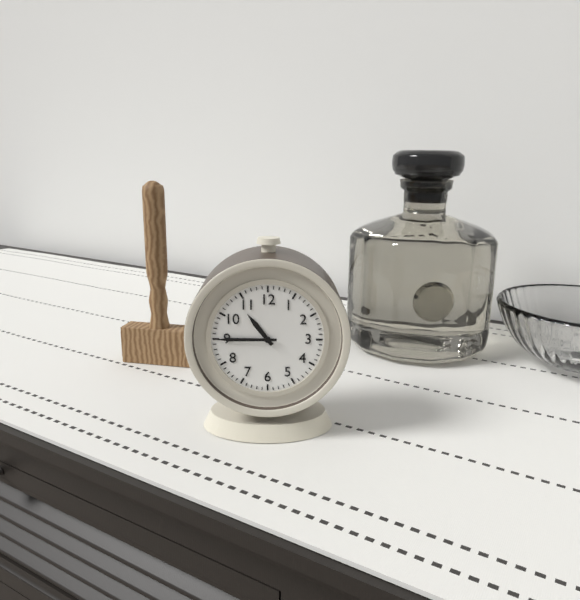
10:45
